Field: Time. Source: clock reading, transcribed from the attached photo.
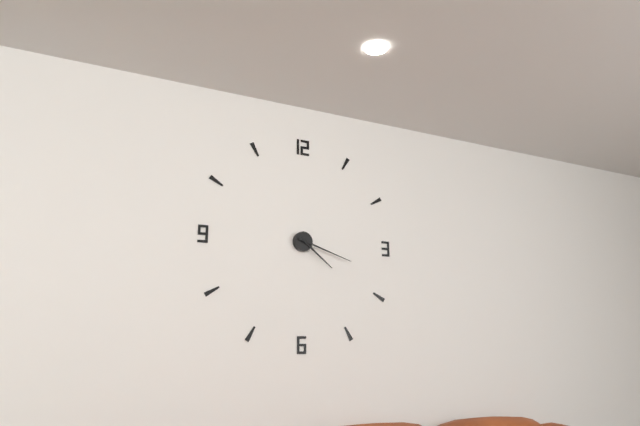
4:18
